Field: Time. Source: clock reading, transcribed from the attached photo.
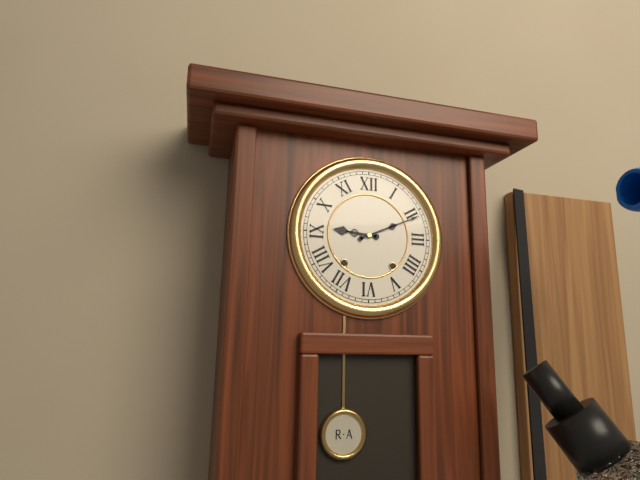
9:11
